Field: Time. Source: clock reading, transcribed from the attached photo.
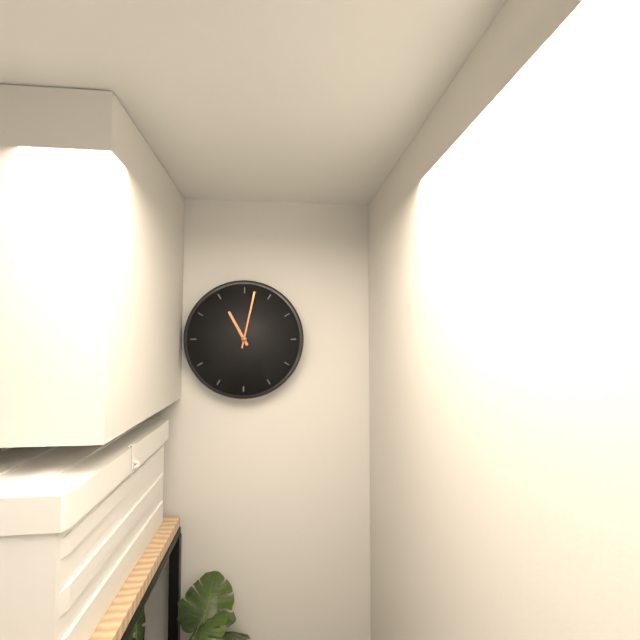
11:02
